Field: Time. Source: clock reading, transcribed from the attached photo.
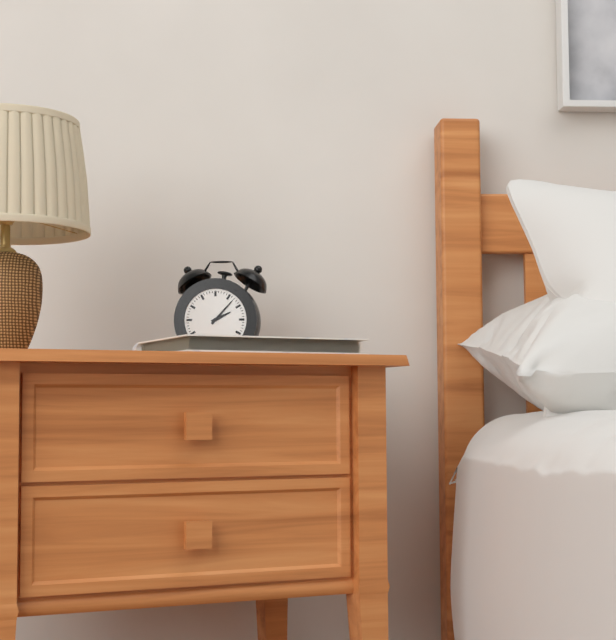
2:07
